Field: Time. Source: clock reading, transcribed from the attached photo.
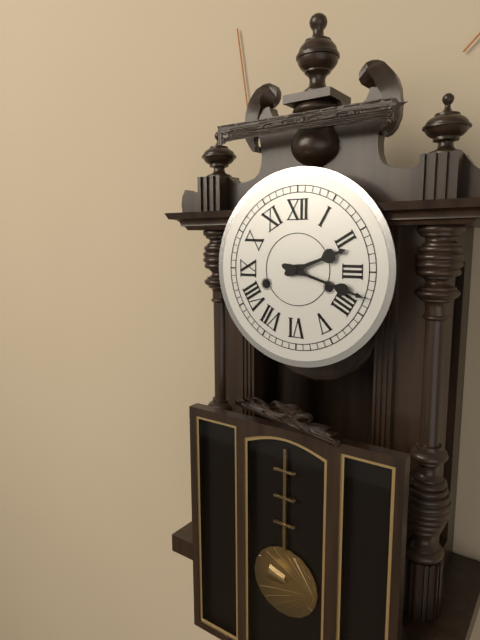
2:18
